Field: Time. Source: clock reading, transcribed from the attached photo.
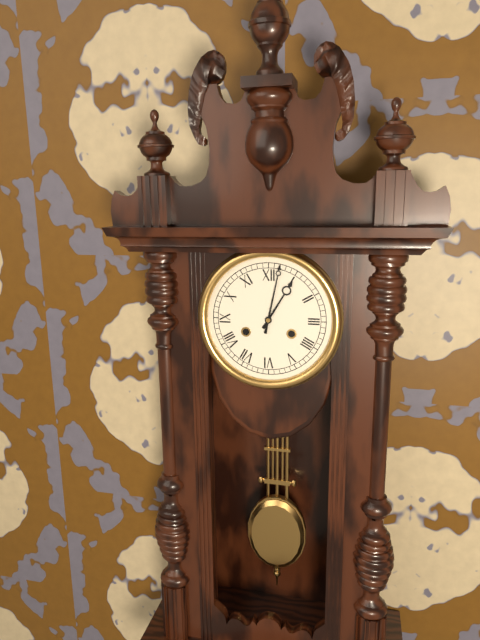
1:02
